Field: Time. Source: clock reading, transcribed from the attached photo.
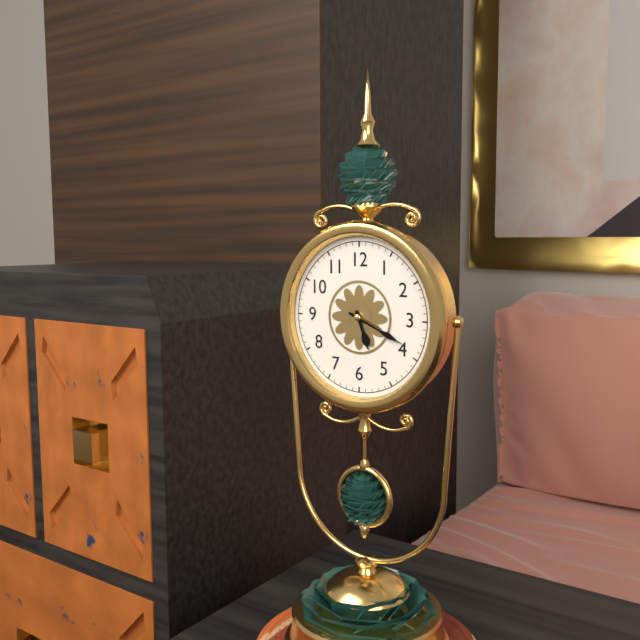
5:19
